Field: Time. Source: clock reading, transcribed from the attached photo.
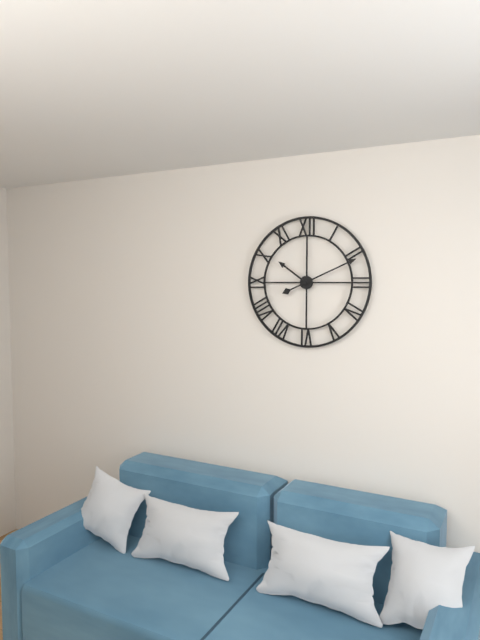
10:11
